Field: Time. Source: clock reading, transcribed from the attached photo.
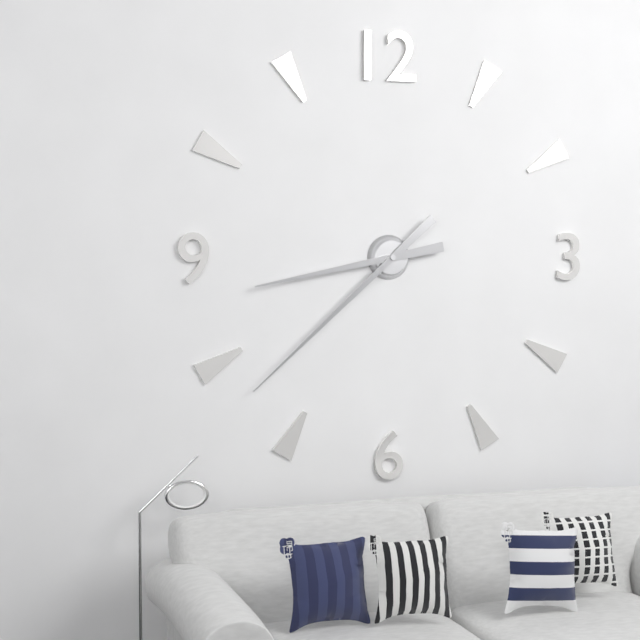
8:38
